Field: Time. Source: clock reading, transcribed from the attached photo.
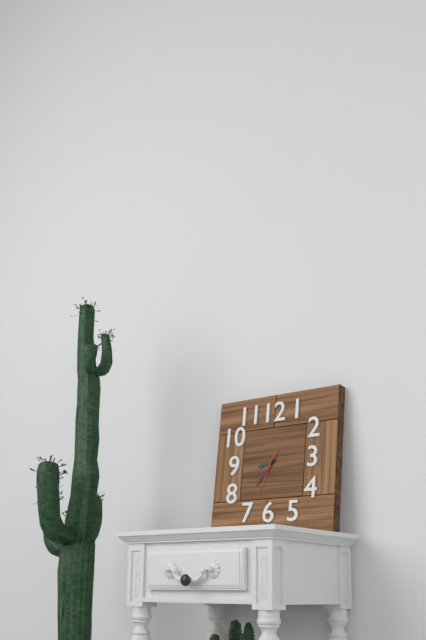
8:36
